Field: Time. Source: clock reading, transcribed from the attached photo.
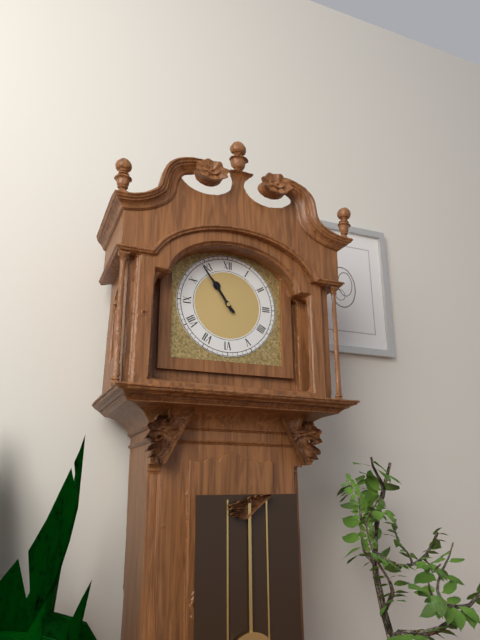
10:54
